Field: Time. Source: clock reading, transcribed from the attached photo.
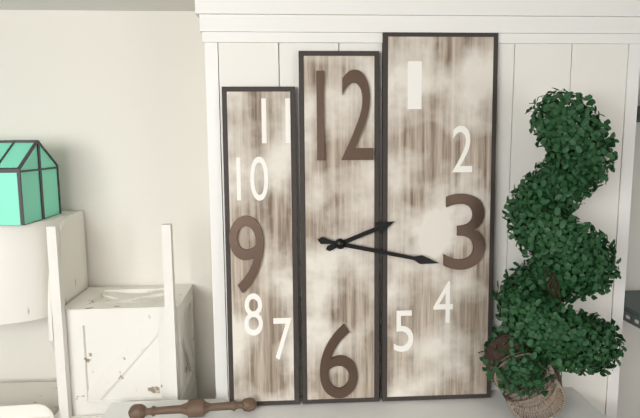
2:17
